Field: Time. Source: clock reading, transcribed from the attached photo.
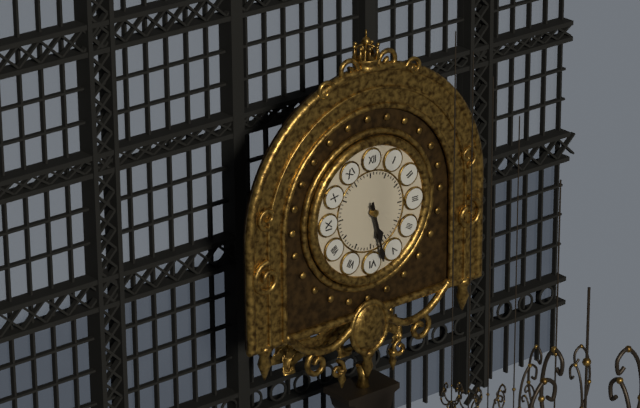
5:28
